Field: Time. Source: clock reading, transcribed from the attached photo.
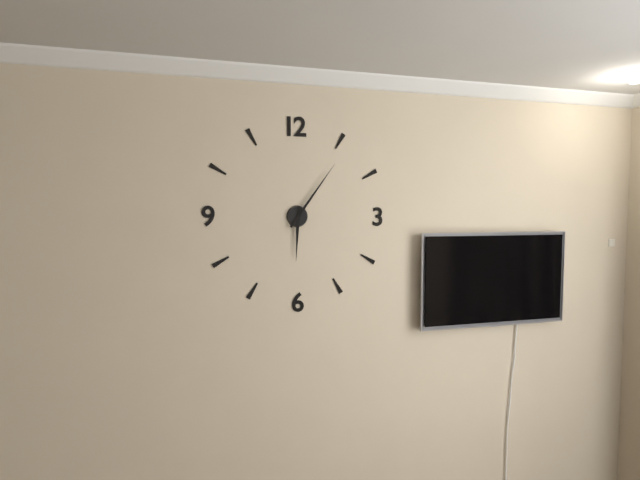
6:06
